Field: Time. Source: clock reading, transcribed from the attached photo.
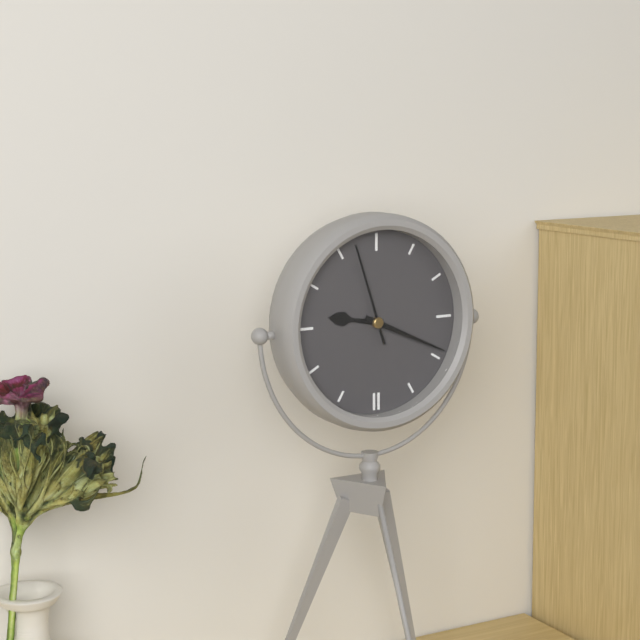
9:19:57
